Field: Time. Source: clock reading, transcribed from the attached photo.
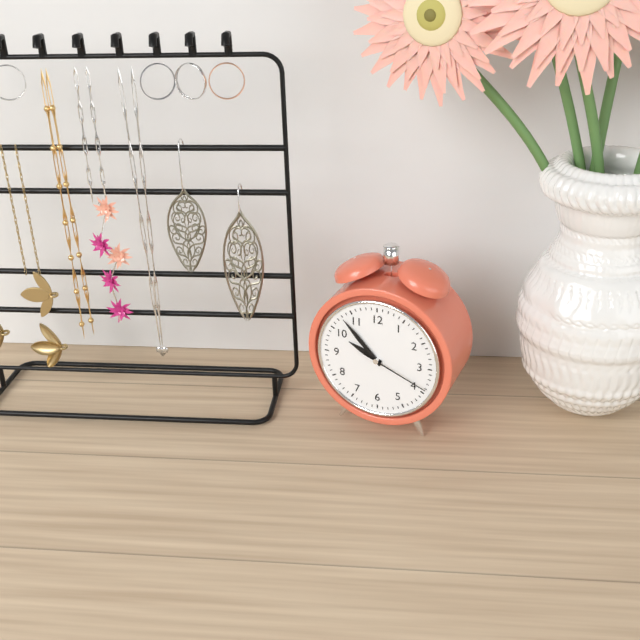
9:53:19
